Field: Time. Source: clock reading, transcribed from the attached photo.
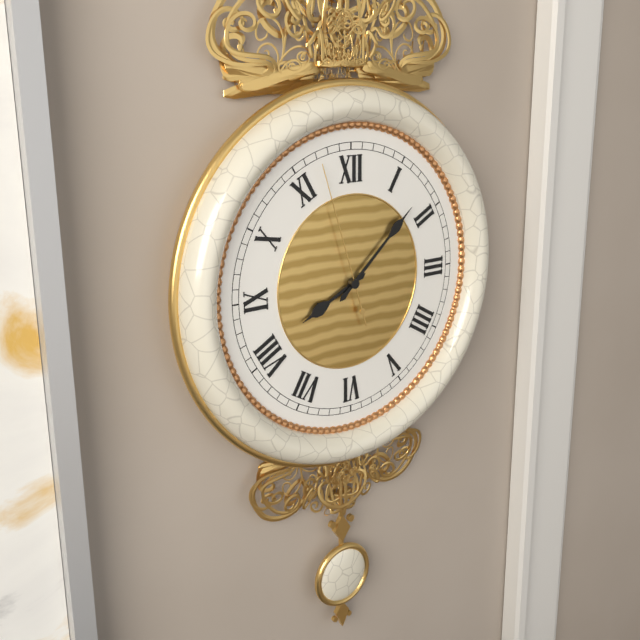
8:08:57
